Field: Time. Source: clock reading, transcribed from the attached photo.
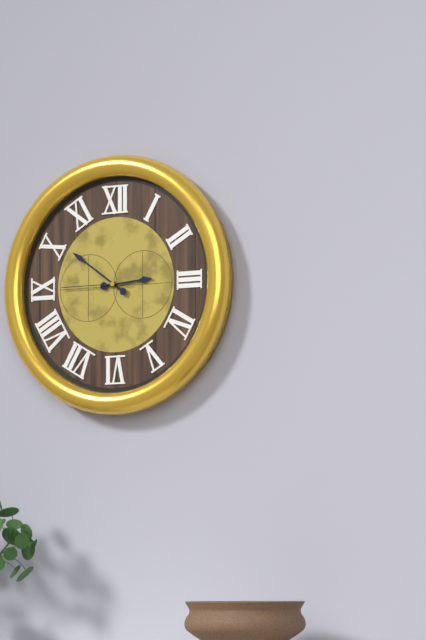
2:51:45
